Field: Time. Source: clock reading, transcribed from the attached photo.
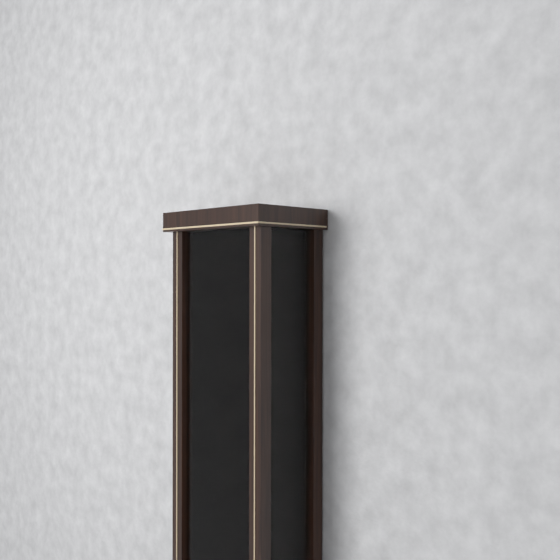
9:48
